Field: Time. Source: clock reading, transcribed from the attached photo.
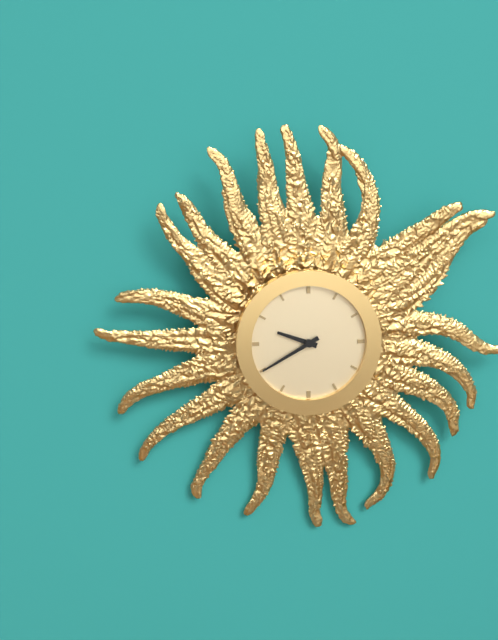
9:40
